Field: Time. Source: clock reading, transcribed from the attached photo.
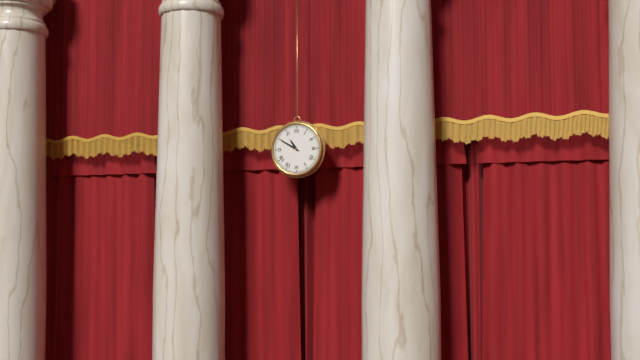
10:50
